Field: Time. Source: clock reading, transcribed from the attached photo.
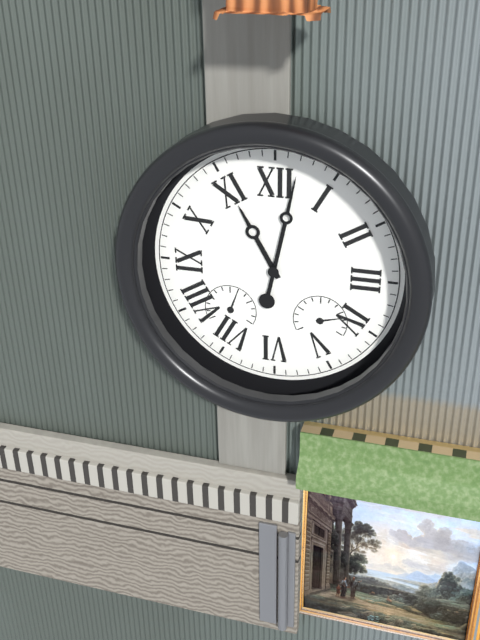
11:02
